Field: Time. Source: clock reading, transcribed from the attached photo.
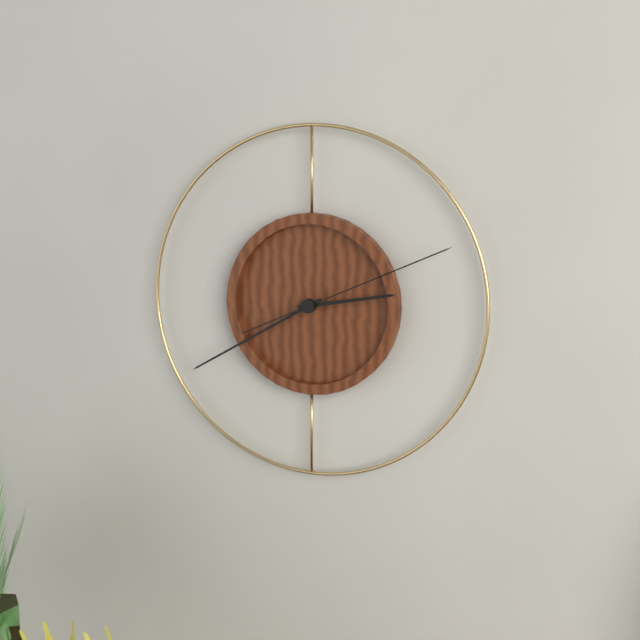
2:40:11
